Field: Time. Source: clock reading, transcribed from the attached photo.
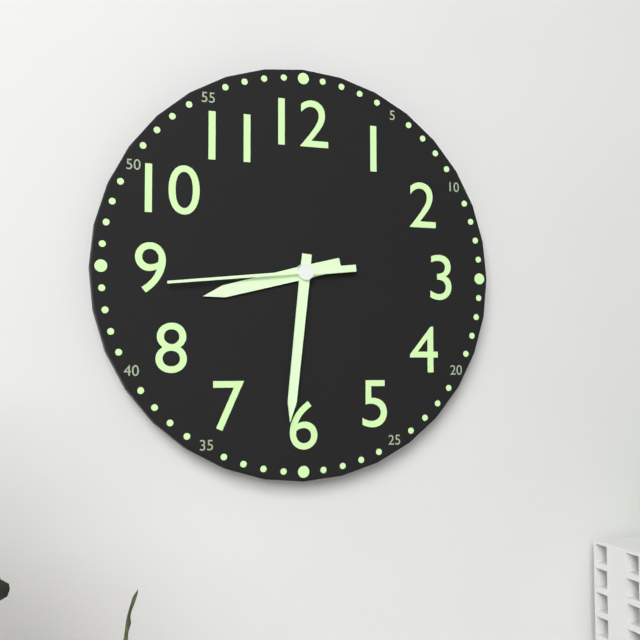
8:31:44
